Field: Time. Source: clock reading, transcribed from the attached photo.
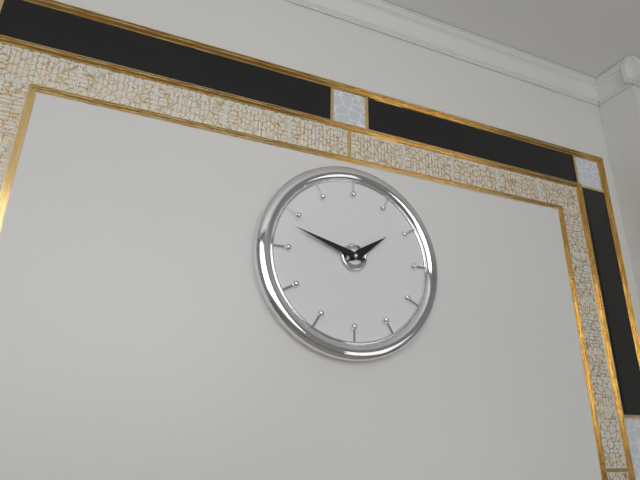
1:48
